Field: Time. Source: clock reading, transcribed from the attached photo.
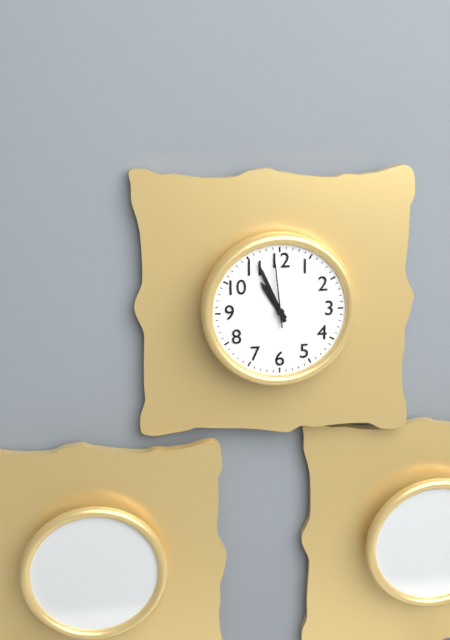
10:56:59
